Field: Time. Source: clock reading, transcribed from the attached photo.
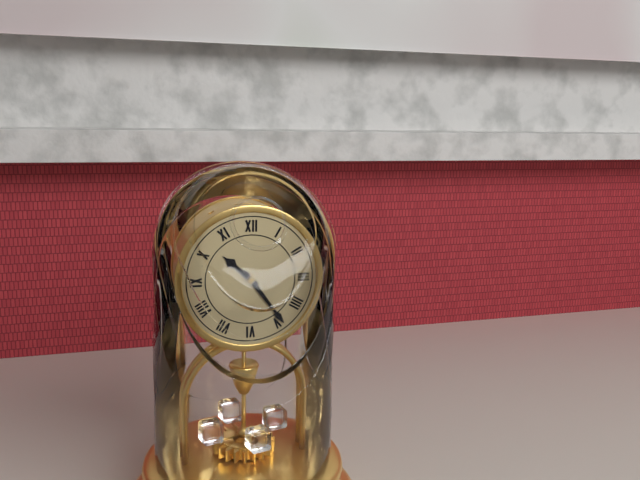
10:24
